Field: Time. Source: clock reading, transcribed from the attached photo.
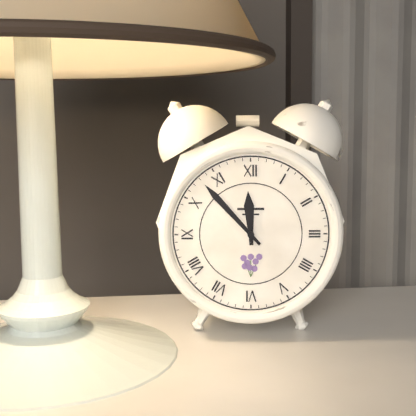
11:53
